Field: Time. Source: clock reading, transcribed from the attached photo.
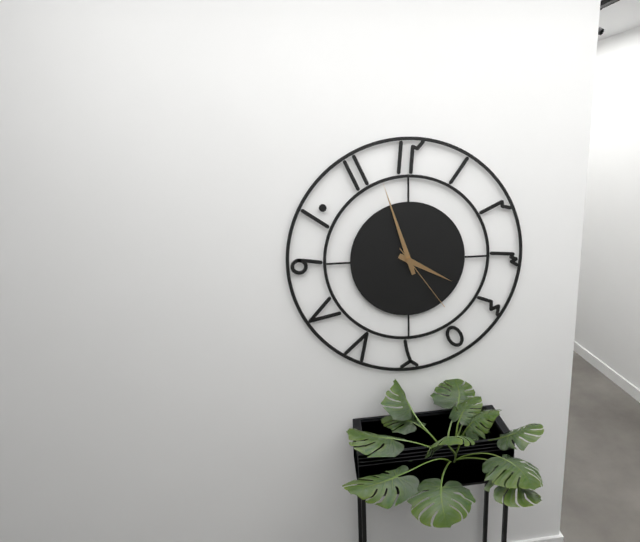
3:57:24
